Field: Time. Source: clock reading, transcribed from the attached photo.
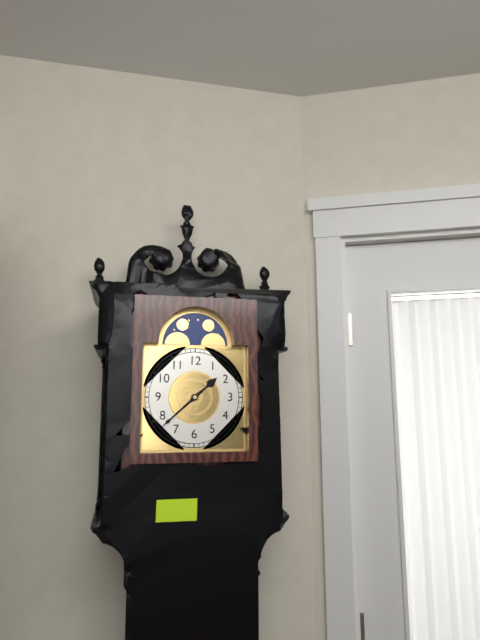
1:38
